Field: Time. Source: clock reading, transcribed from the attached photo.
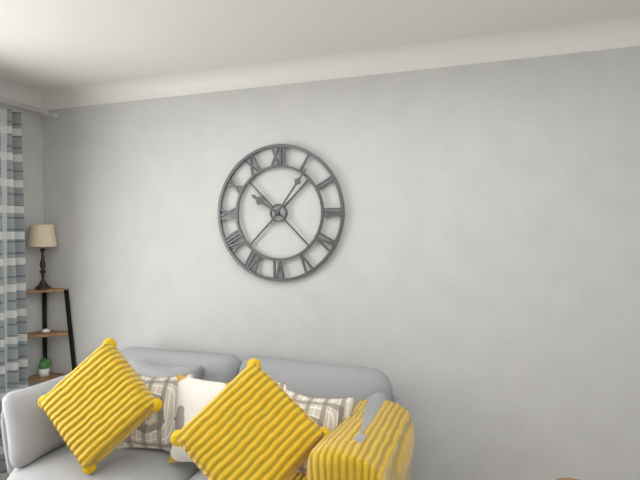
10:06
